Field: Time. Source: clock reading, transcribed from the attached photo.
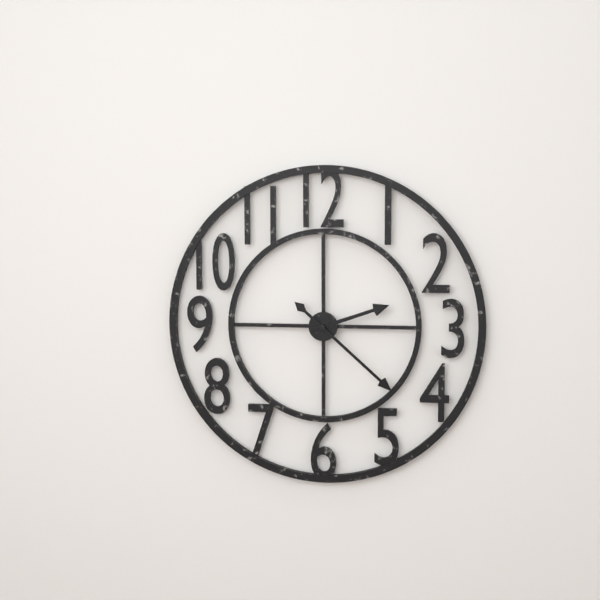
2:22
